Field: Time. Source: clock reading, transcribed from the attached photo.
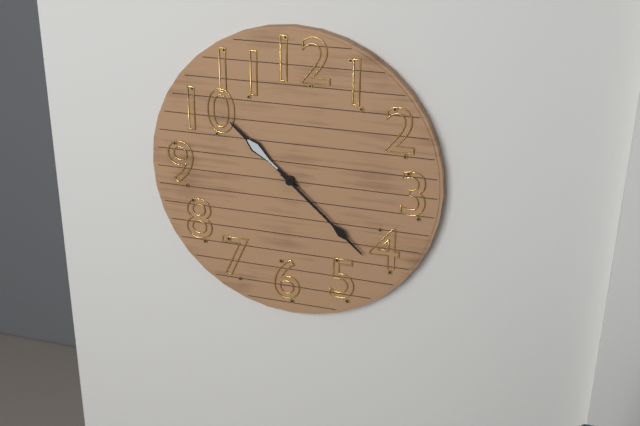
10:22
